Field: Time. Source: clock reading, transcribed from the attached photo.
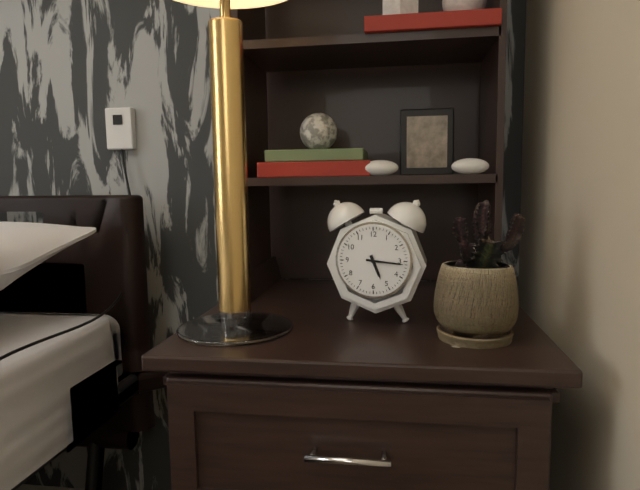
5:16
